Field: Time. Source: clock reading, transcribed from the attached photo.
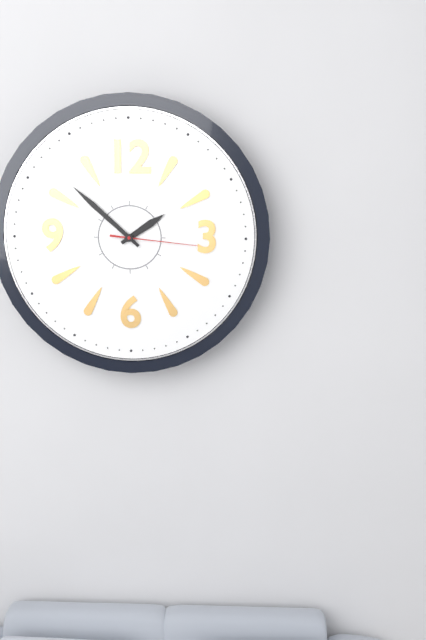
1:52:16
